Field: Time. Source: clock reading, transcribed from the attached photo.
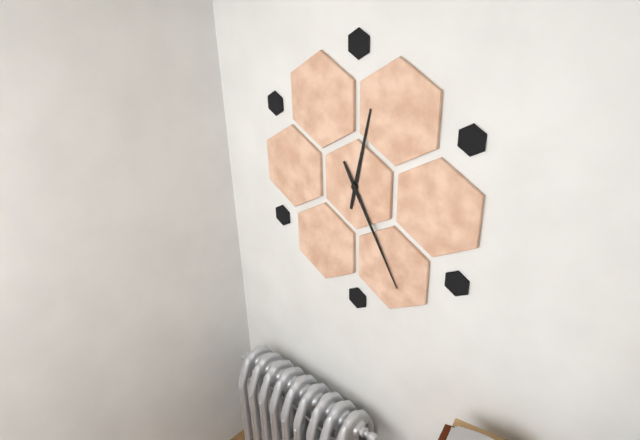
12:25
